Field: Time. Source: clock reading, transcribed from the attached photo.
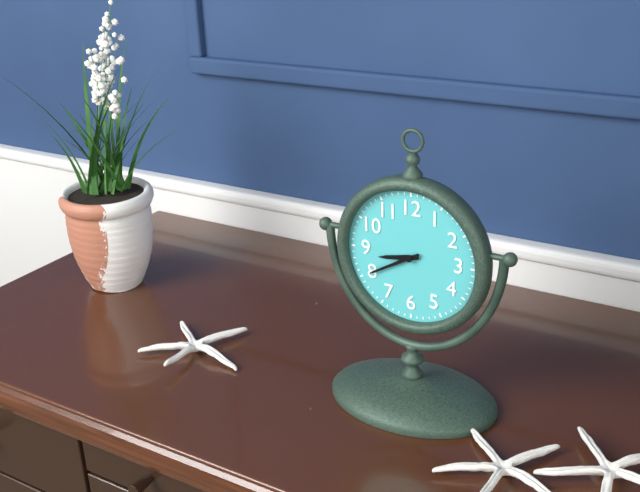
8:40
